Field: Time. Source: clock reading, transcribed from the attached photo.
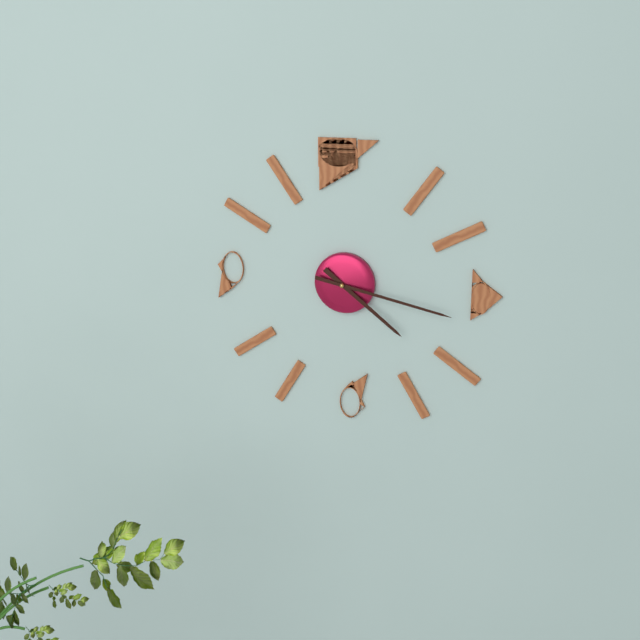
4:17
